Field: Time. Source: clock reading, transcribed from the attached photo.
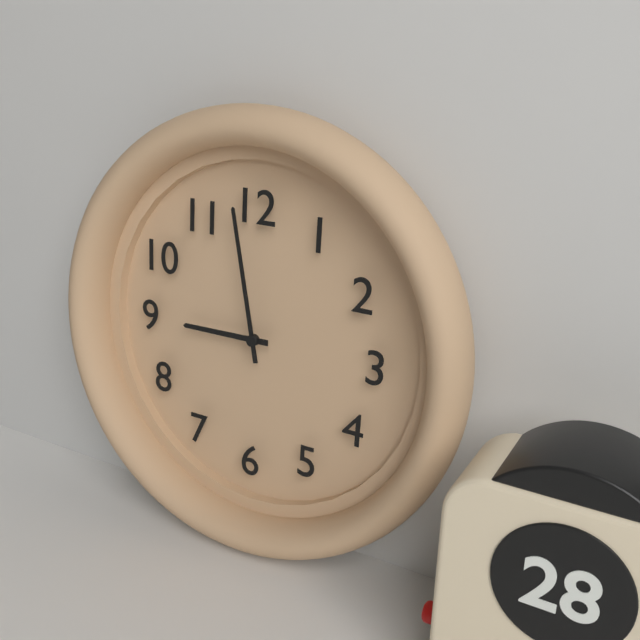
8:58
